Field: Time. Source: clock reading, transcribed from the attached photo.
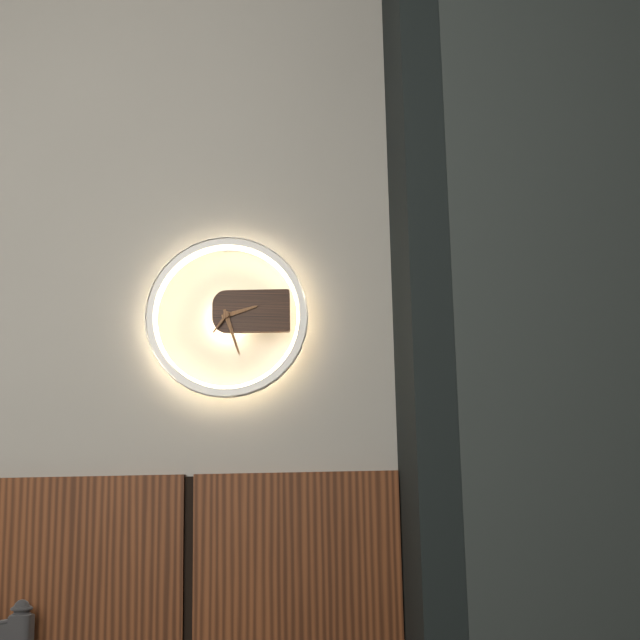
2:27
